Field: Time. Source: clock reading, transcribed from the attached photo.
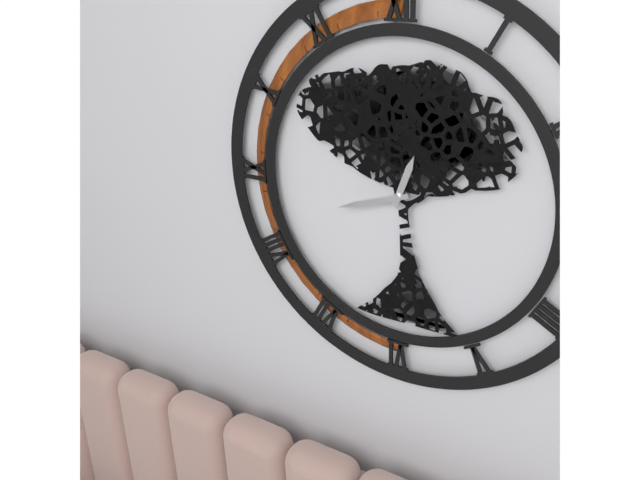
12:42
